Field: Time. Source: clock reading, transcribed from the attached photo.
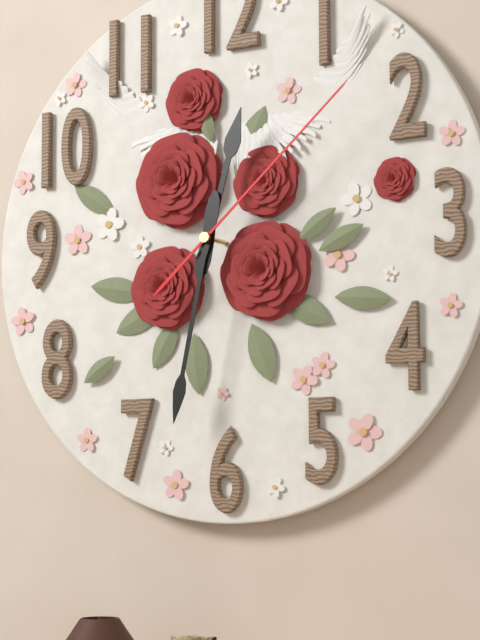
12:32:08
